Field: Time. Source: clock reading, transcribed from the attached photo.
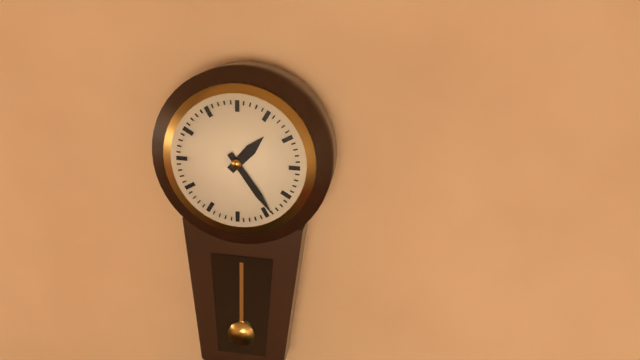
1:24
